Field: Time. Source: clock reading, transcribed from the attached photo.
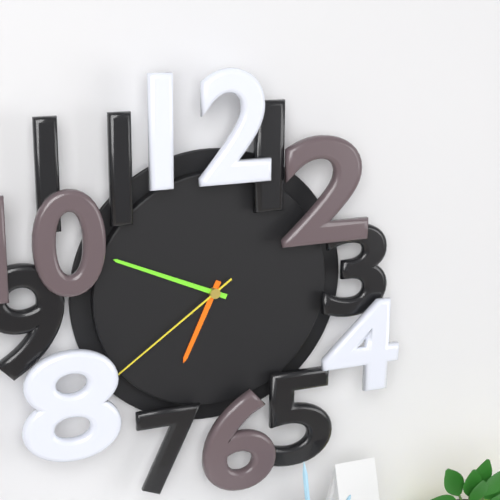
6:49:39
